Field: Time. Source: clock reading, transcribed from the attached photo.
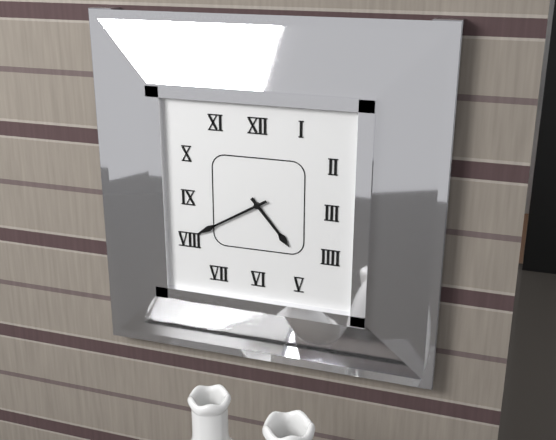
4:40
